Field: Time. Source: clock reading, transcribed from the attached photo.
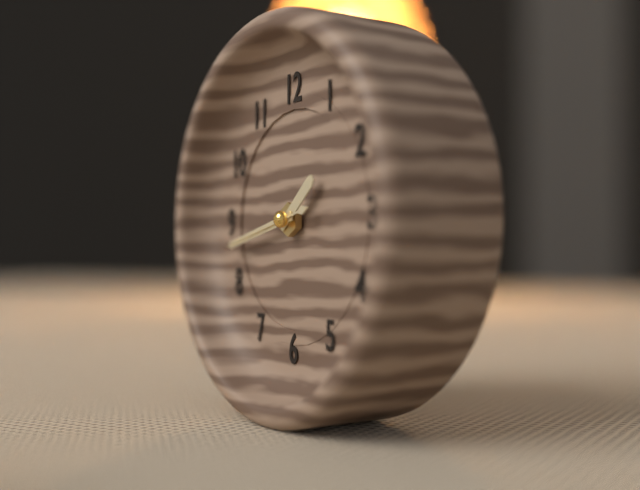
1:43:43
